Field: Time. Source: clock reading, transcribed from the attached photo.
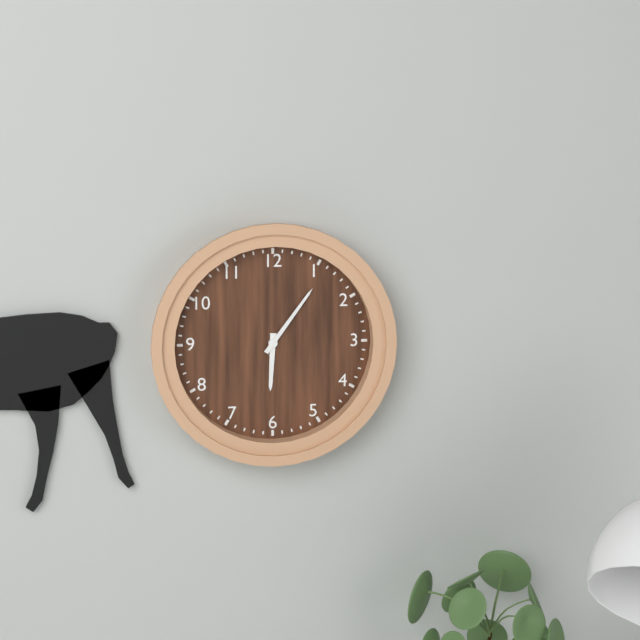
6:06
